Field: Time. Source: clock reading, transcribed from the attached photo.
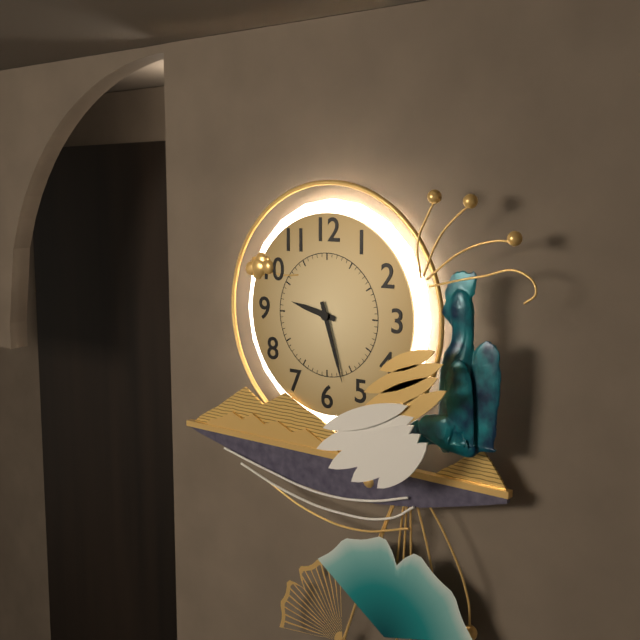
9:27
